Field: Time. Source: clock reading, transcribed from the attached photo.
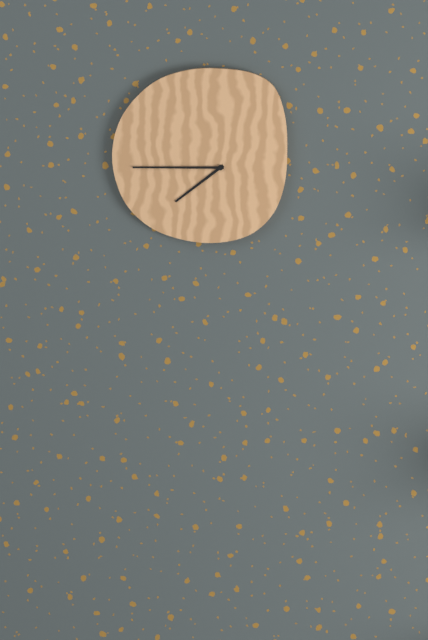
7:45
